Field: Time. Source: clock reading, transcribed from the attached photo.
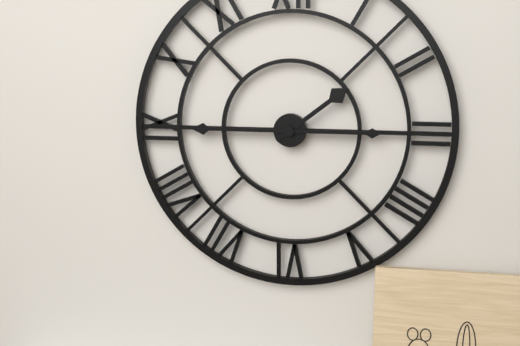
1:45
